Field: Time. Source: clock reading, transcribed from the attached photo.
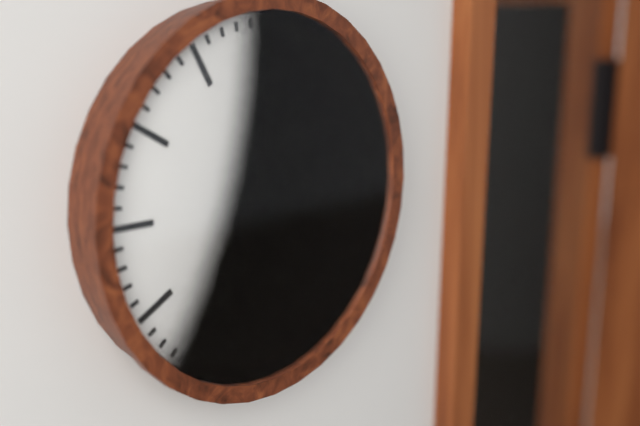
7:27
